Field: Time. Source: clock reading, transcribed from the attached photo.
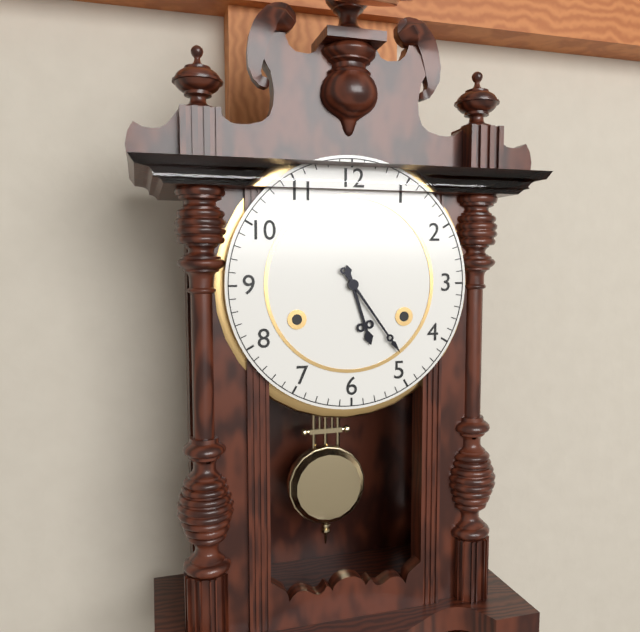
5:24
